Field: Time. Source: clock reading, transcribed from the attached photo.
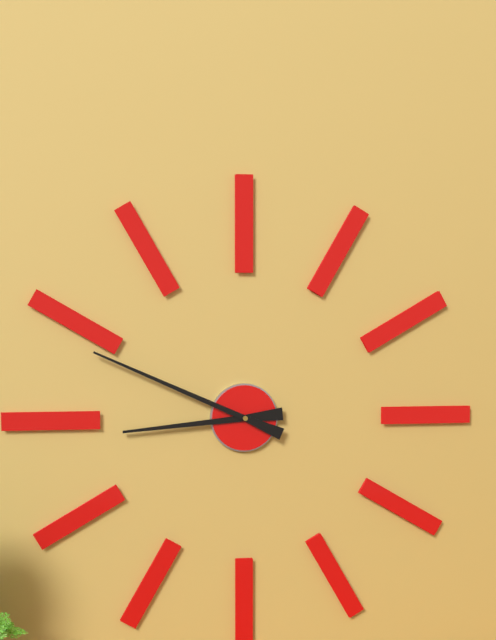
8:49
